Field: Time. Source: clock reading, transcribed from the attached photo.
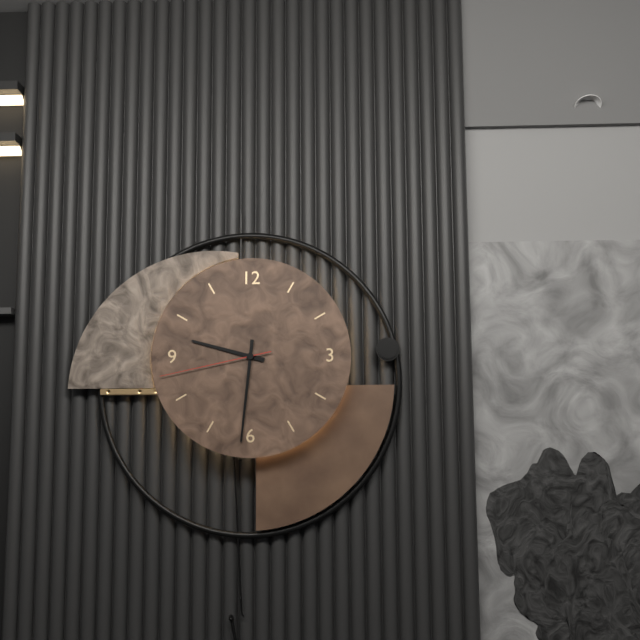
9:31:43
